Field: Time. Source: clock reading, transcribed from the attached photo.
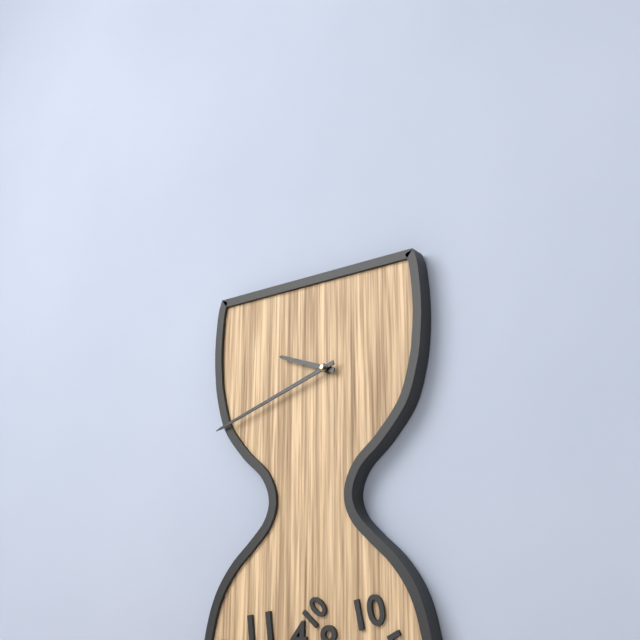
9:42
